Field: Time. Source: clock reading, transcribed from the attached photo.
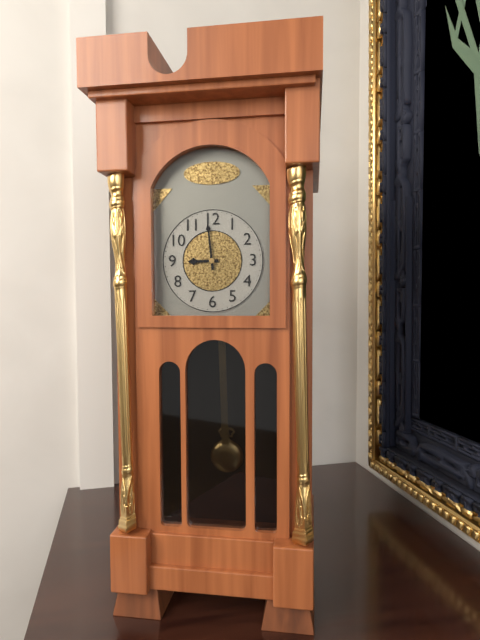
8:59
